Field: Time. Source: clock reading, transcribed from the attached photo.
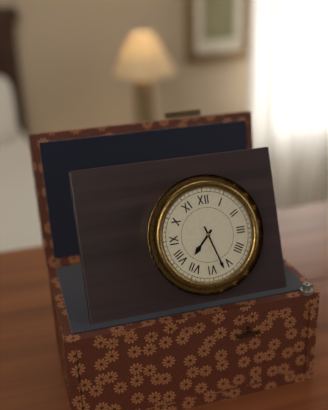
7:27
